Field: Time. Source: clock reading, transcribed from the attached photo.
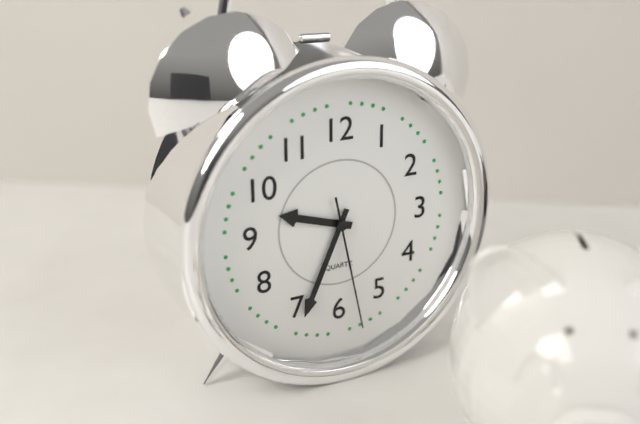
9:34:28
